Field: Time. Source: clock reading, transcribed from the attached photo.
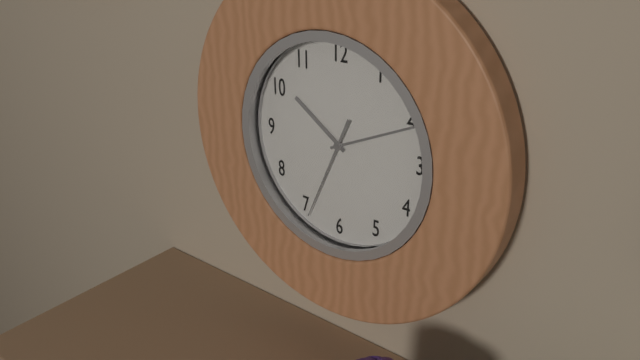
10:11:34
